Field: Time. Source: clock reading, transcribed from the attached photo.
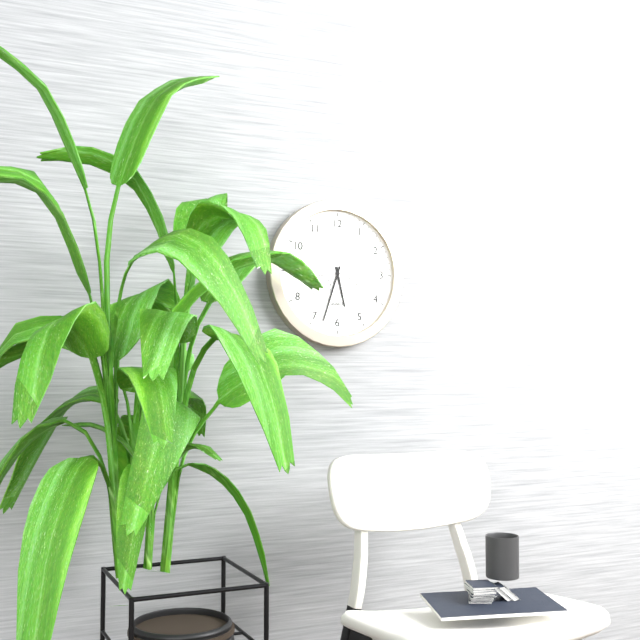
5:33:19
